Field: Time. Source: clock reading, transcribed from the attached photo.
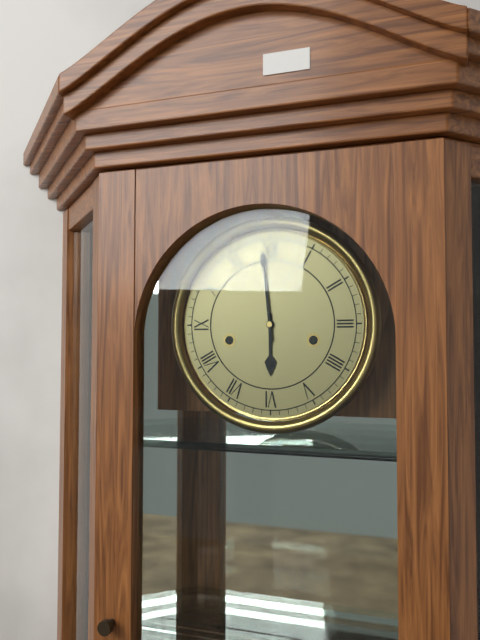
5:59
